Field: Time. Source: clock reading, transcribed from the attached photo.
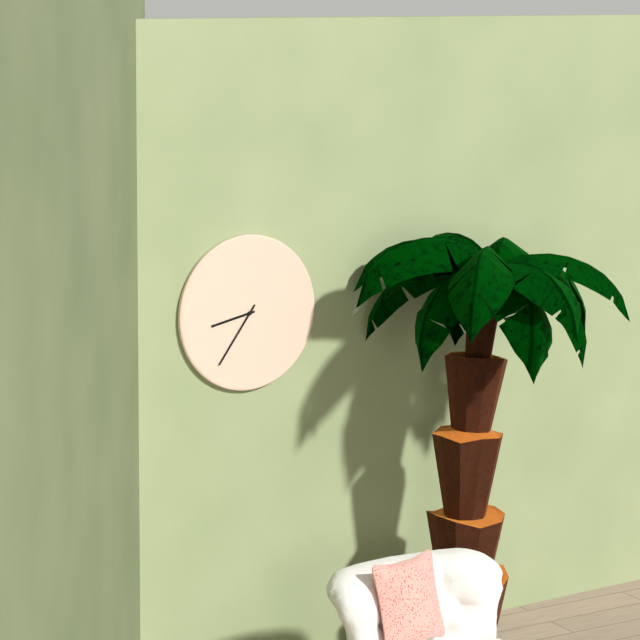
8:36
